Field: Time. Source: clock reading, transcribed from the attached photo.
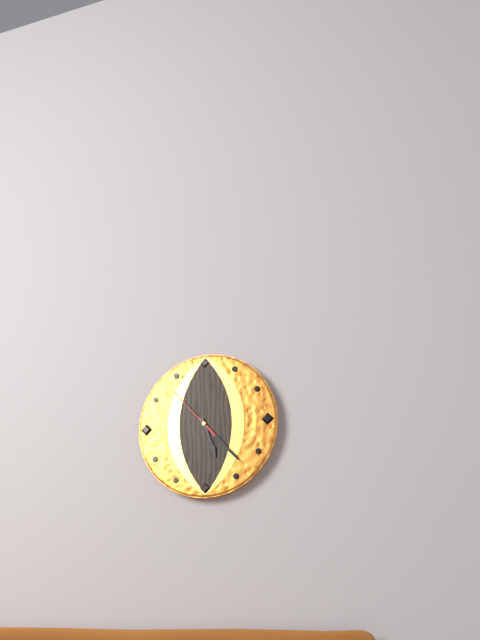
5:23:53
